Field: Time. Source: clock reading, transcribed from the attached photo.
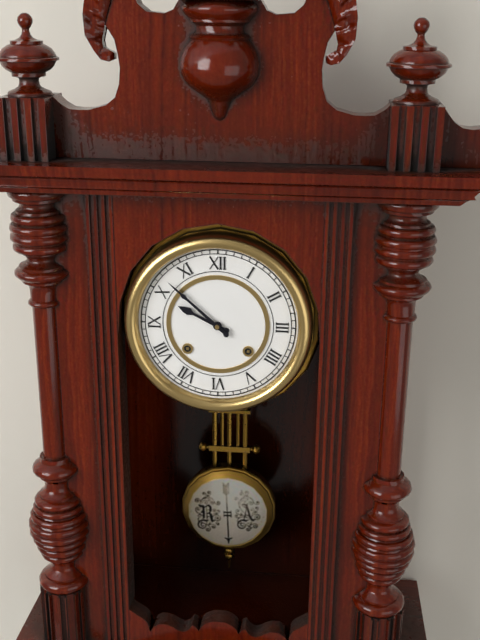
9:52
